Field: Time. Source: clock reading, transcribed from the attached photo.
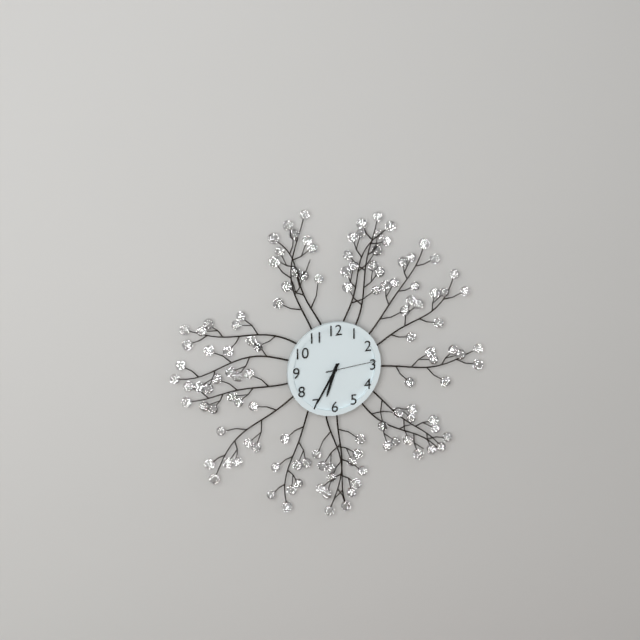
6:35:14
